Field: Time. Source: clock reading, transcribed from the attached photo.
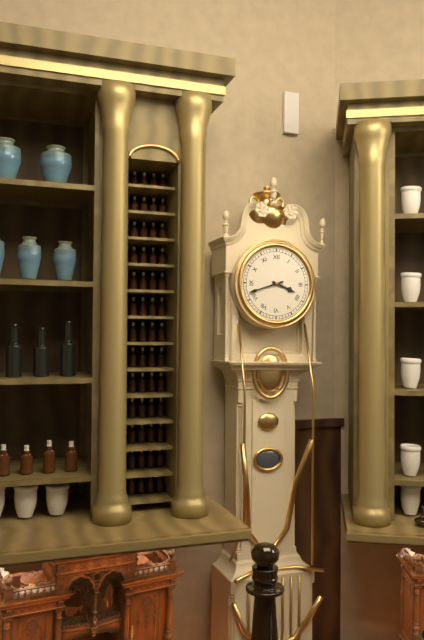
3:42
